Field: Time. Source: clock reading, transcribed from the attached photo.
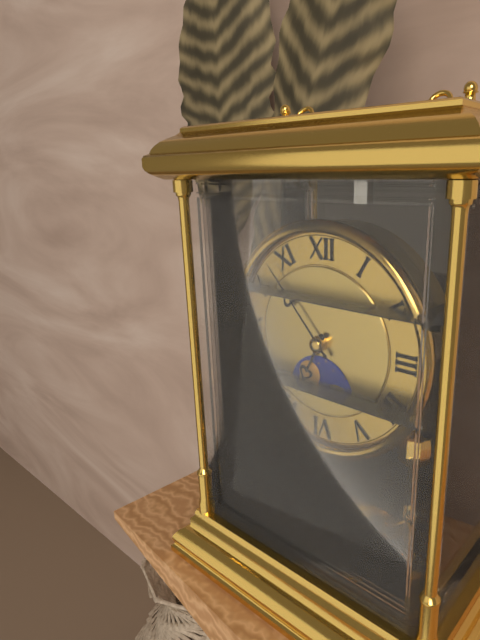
6:53
